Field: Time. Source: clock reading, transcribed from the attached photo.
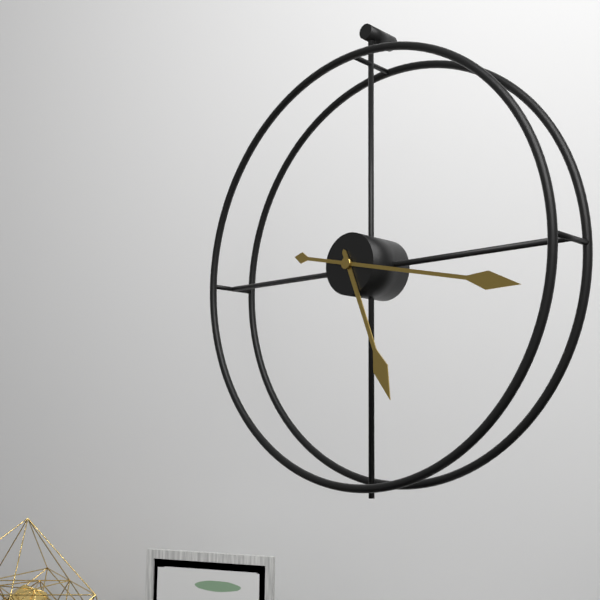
5:17
